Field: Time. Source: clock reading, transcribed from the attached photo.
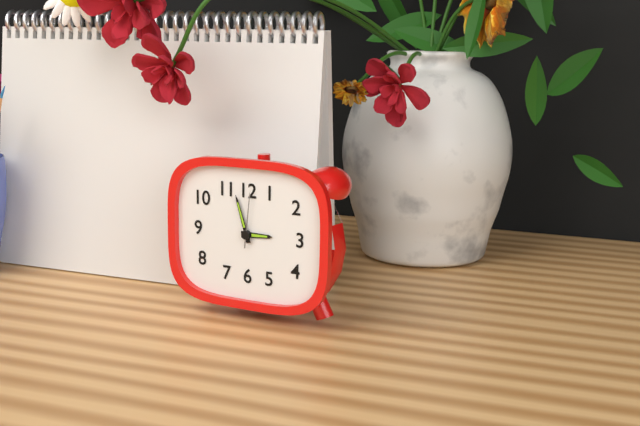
2:57:01
